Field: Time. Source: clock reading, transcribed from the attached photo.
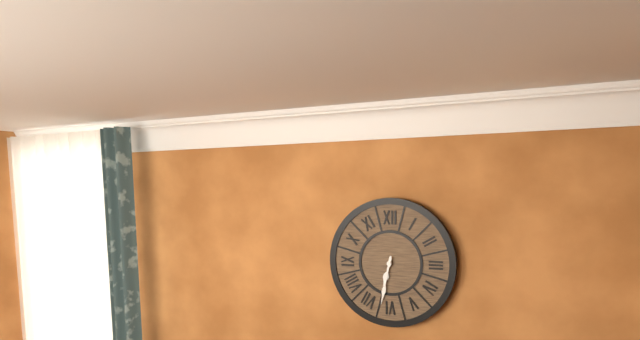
6:32
